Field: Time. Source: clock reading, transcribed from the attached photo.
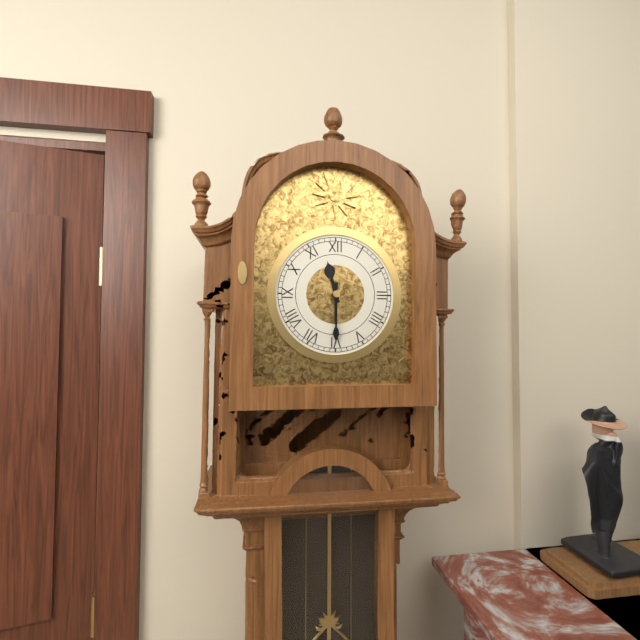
11:30
